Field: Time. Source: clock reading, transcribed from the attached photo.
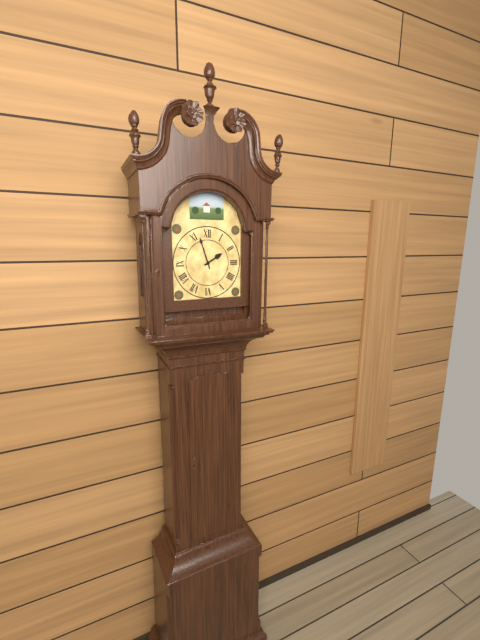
1:57
